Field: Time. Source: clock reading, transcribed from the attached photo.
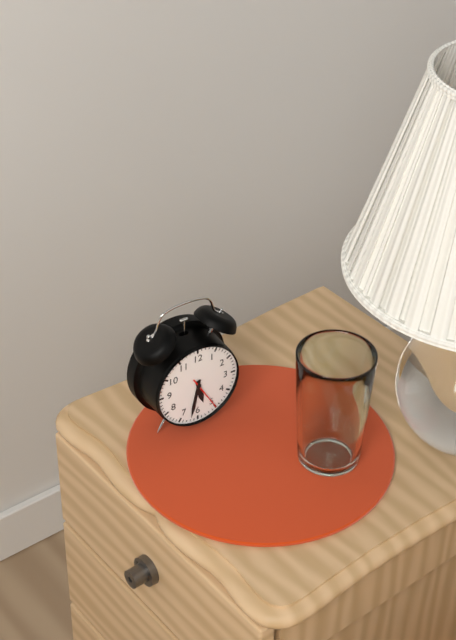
5:32
